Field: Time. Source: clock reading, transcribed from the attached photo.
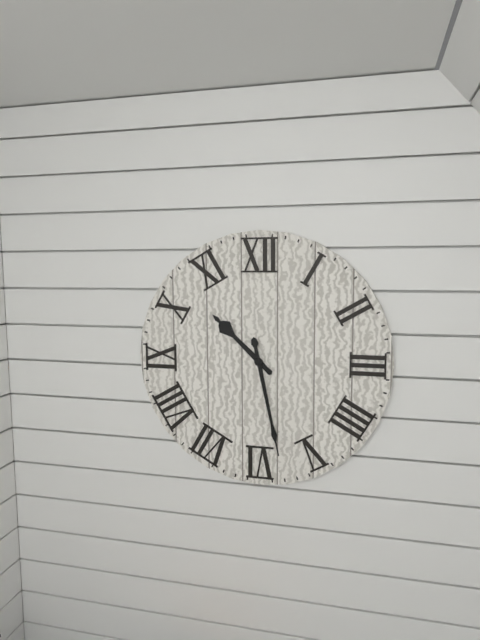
10:28
